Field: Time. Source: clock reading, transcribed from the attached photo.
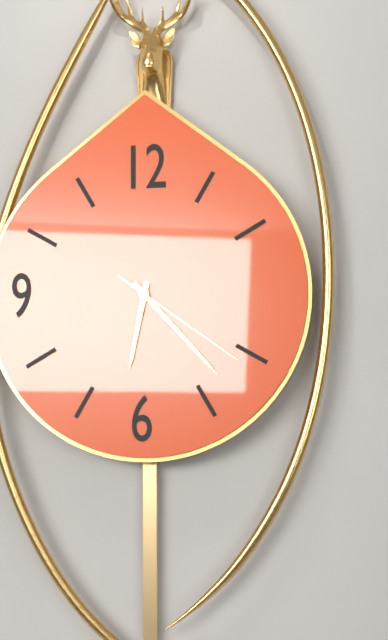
6:23:21
